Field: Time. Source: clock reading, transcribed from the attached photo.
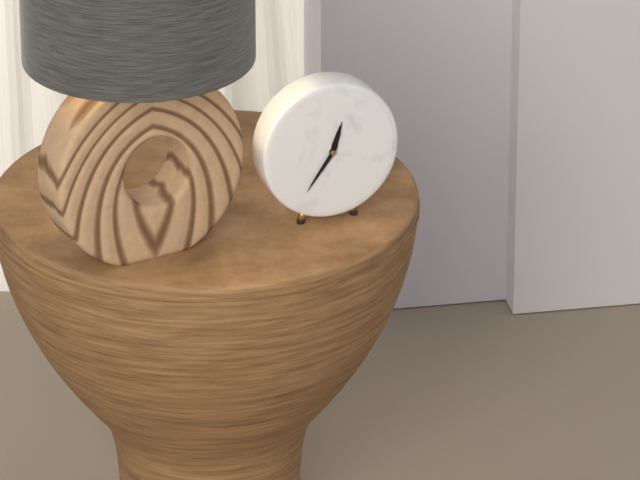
12:36
